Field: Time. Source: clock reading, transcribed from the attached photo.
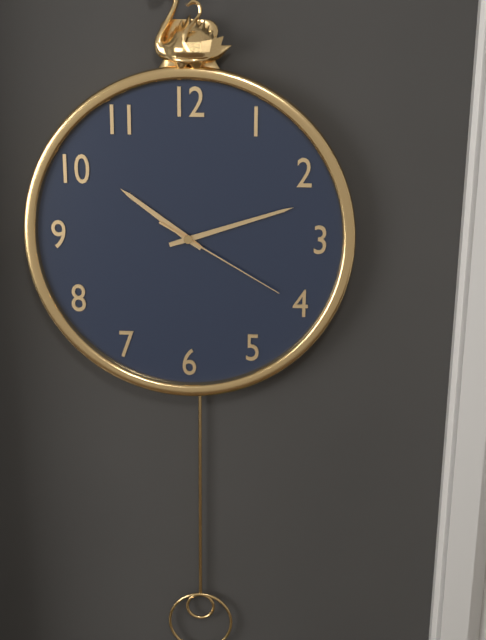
10:12:20
